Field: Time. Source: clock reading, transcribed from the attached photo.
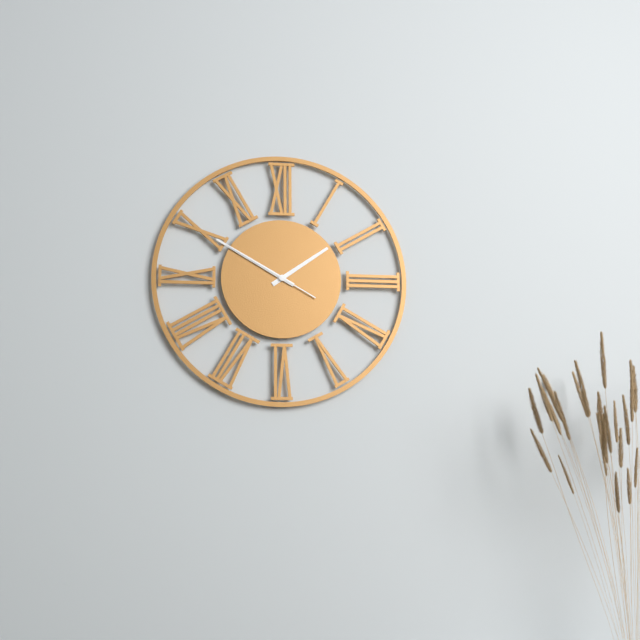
1:50:50
